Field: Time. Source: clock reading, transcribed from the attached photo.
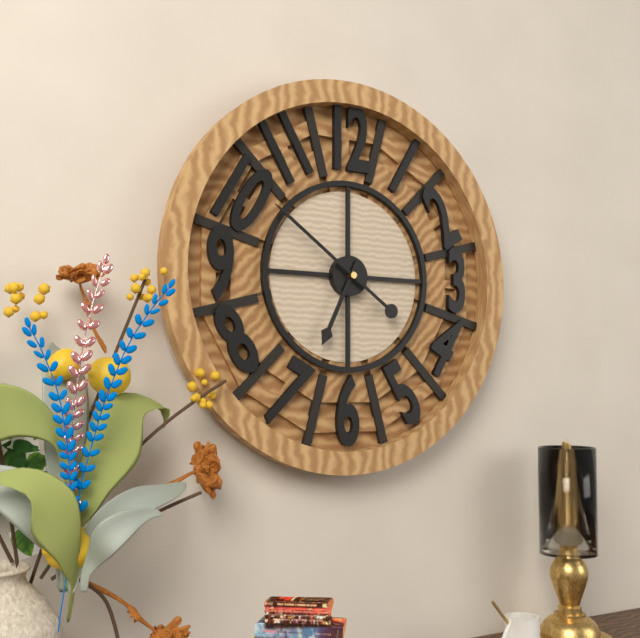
6:51
